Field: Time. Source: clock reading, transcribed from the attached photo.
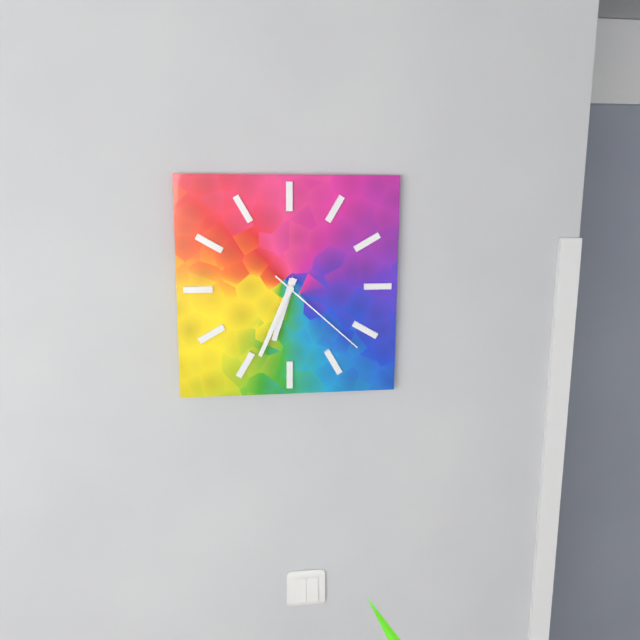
6:34:22
